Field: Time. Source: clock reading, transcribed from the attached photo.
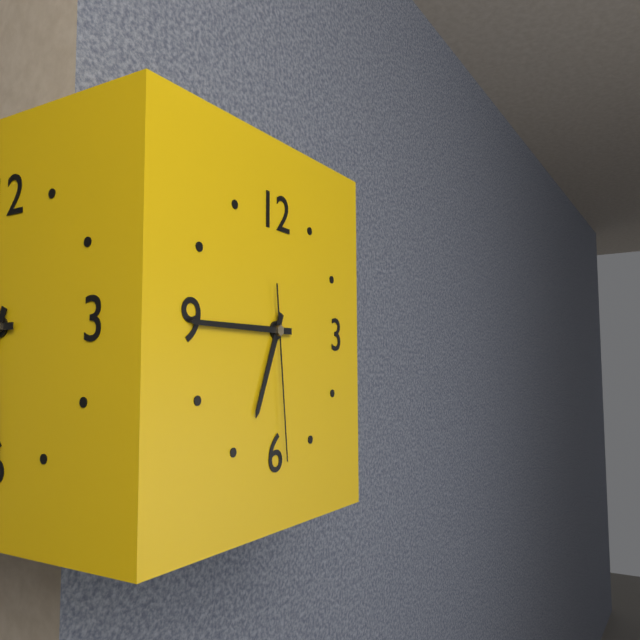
6:45:29
